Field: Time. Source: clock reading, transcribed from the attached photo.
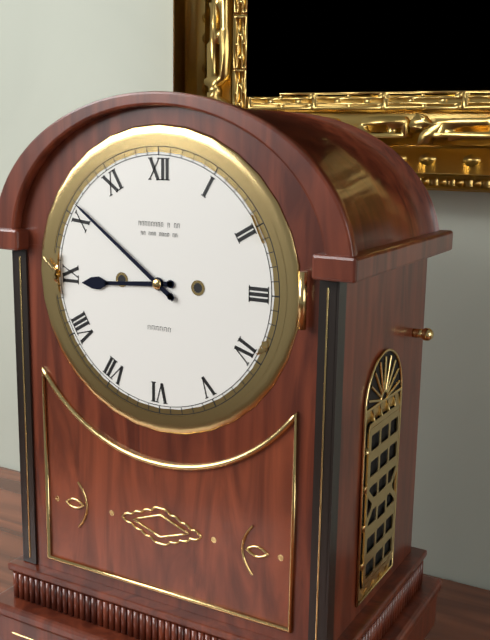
8:51
